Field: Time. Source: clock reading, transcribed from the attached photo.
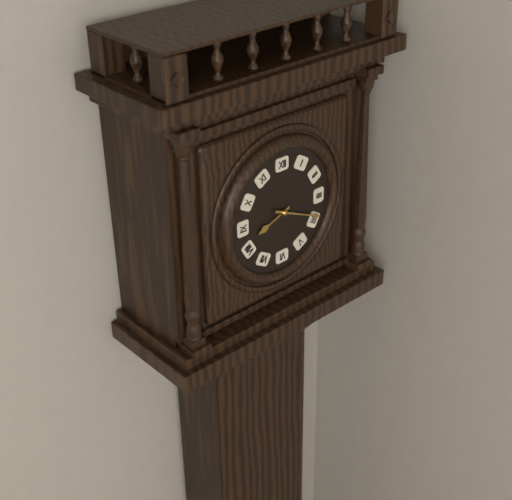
8:19
